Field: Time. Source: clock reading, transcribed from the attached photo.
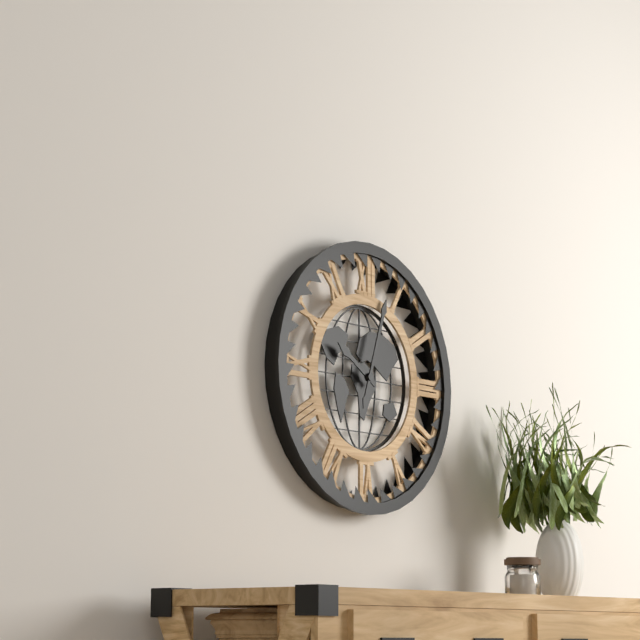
10:03
